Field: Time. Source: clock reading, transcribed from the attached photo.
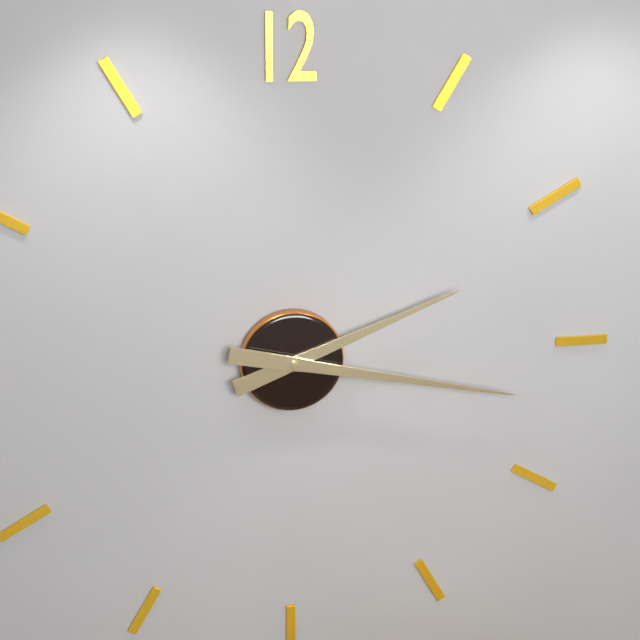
2:17
